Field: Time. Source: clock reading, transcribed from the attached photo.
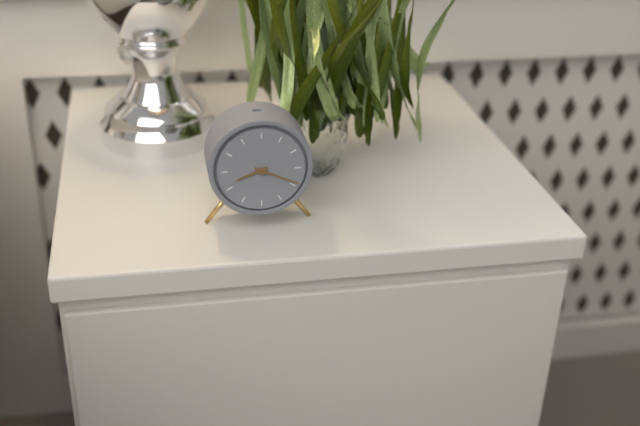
8:19
